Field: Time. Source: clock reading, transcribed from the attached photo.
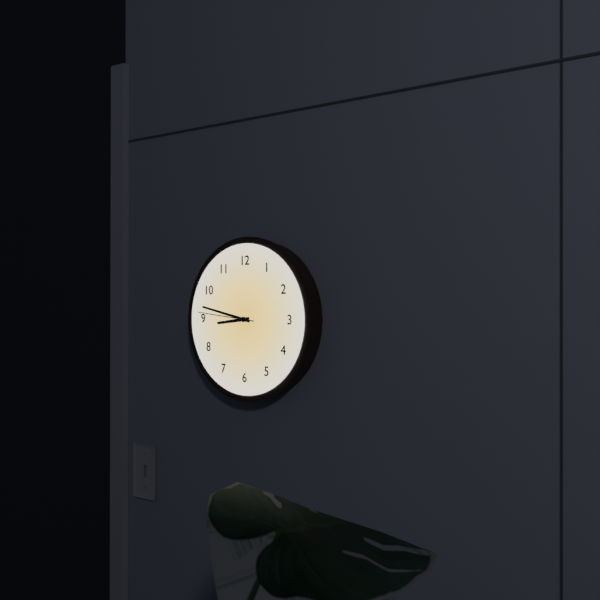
8:47:46
